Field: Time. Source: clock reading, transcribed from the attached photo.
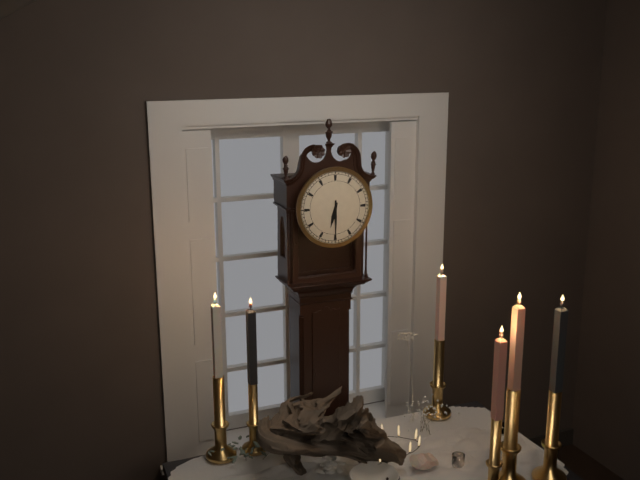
6:30
